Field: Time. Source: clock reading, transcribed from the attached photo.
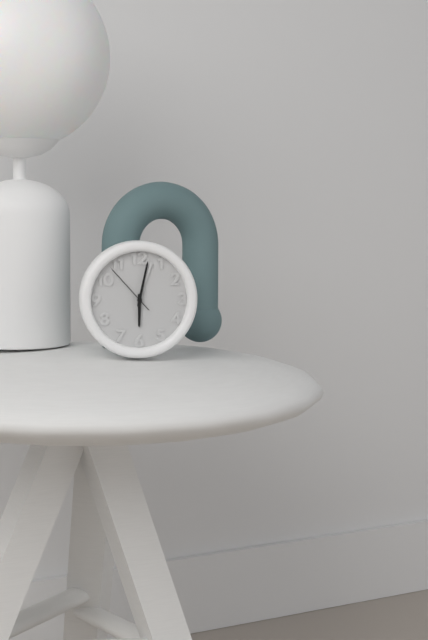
6:02:53
